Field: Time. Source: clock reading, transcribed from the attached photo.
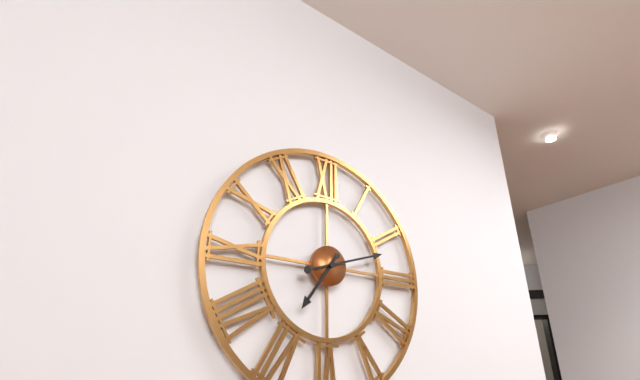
7:12
